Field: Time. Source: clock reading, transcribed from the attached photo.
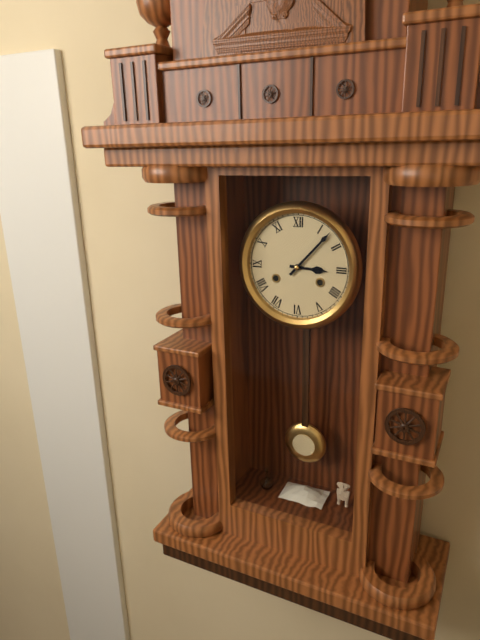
3:07
